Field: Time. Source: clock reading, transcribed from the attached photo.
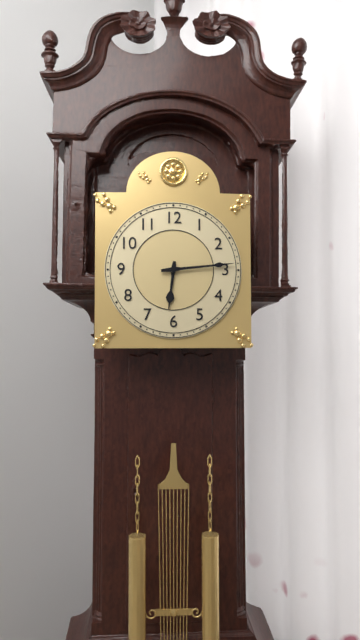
6:14
